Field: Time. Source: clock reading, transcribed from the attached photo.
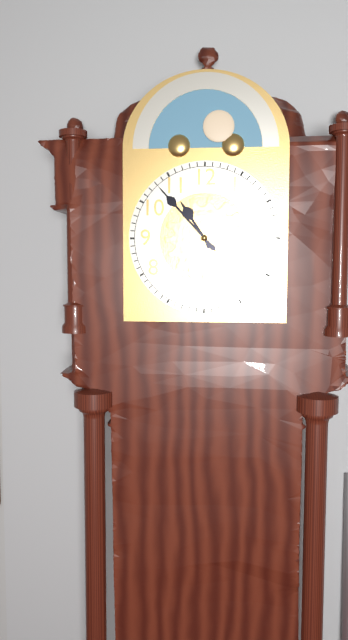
10:53
